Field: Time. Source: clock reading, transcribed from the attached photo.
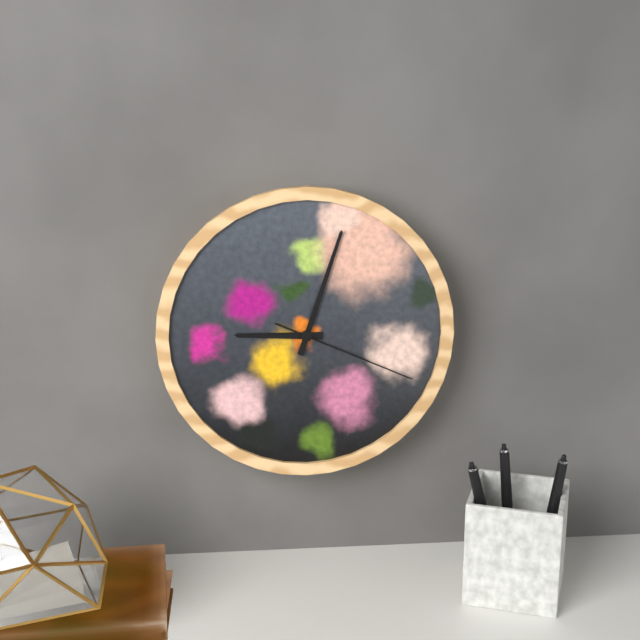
9:03:19
